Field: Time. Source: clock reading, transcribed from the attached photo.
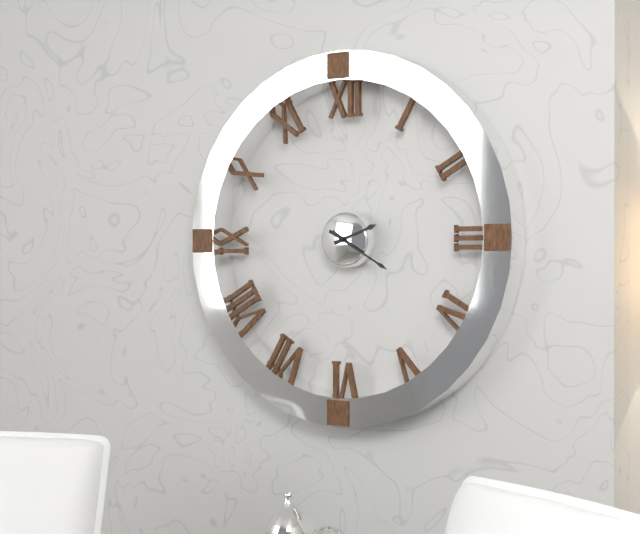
2:20
